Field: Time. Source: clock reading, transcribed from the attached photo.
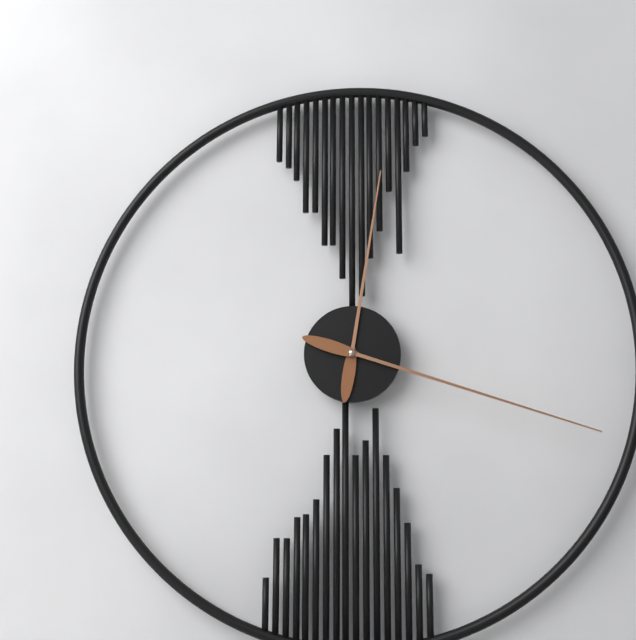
12:18
